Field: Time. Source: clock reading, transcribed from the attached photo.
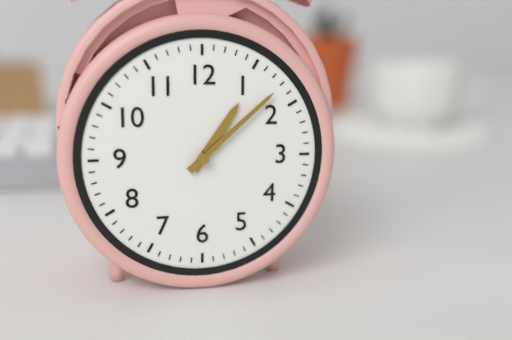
1:08
